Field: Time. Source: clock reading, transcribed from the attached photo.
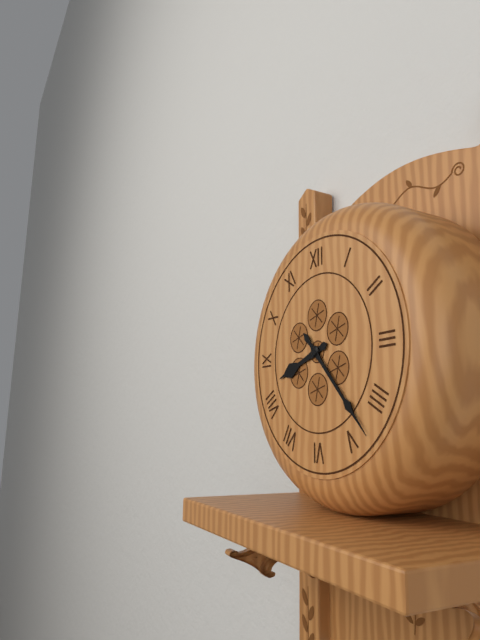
8:23
